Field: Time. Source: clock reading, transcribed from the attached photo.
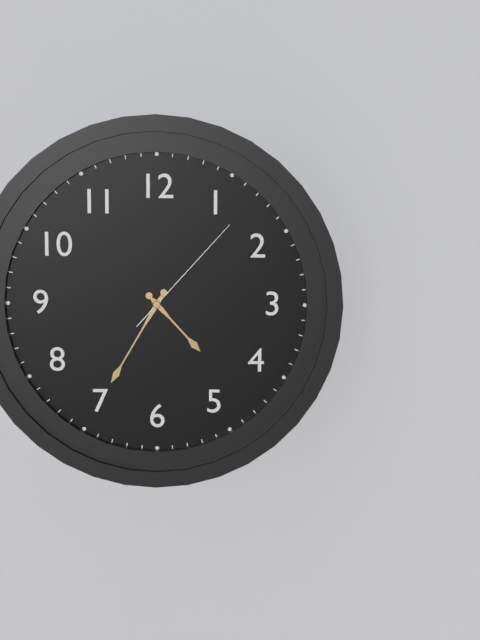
4:35:07
